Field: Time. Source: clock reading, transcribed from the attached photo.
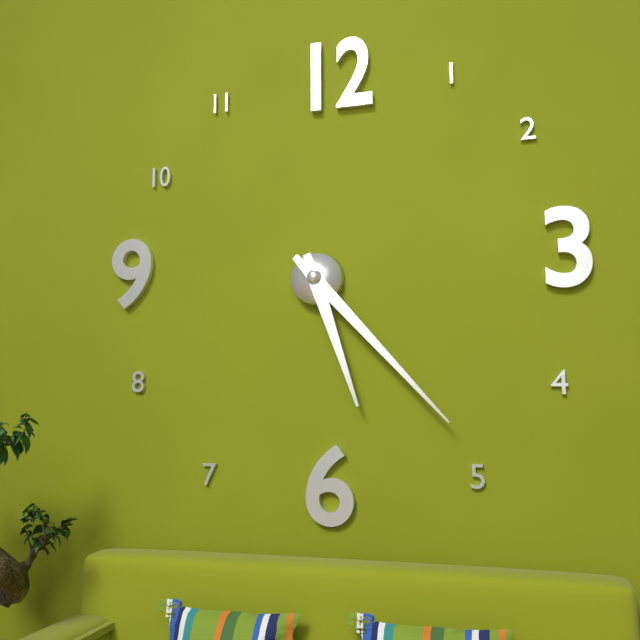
5:23
